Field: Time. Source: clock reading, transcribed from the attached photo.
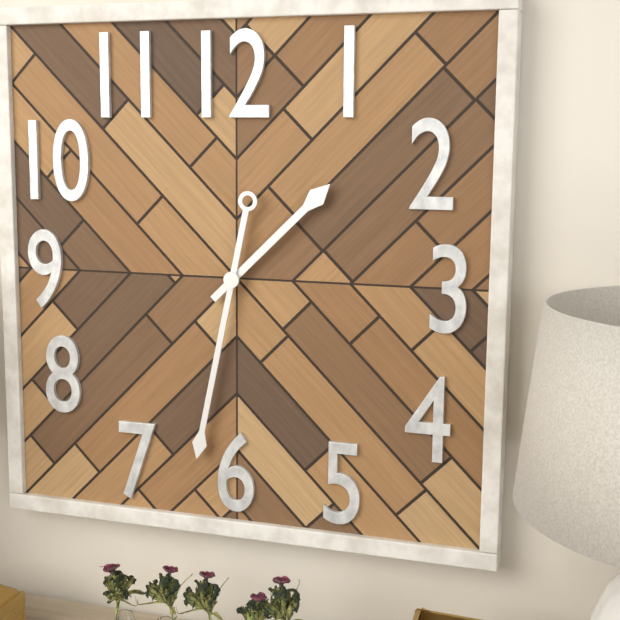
1:32
